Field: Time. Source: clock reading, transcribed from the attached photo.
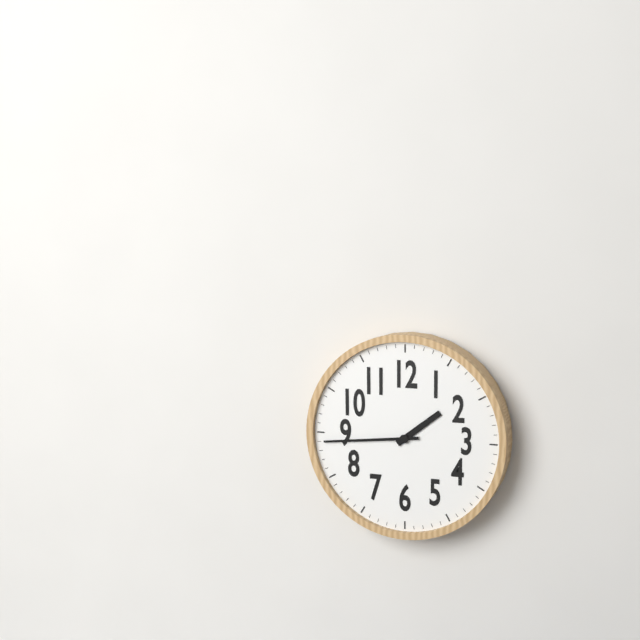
1:44
